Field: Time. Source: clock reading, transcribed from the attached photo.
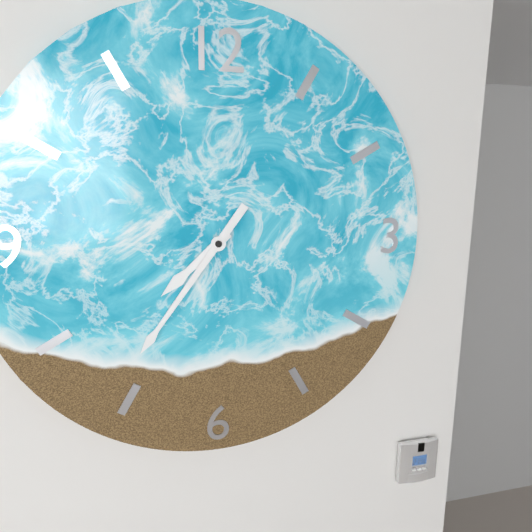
7:36
